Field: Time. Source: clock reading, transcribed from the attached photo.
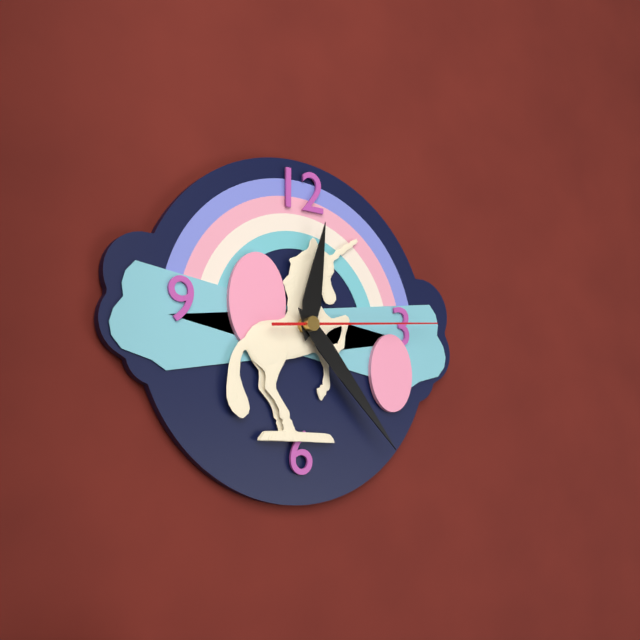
12:23:14
